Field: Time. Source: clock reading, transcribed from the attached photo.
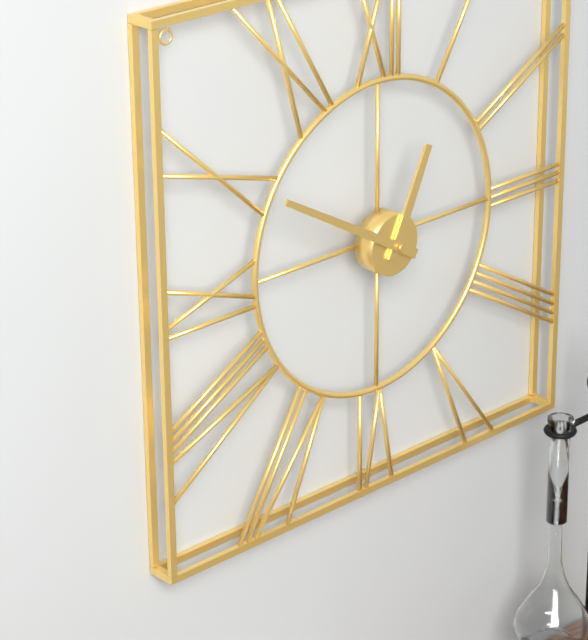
12:50
